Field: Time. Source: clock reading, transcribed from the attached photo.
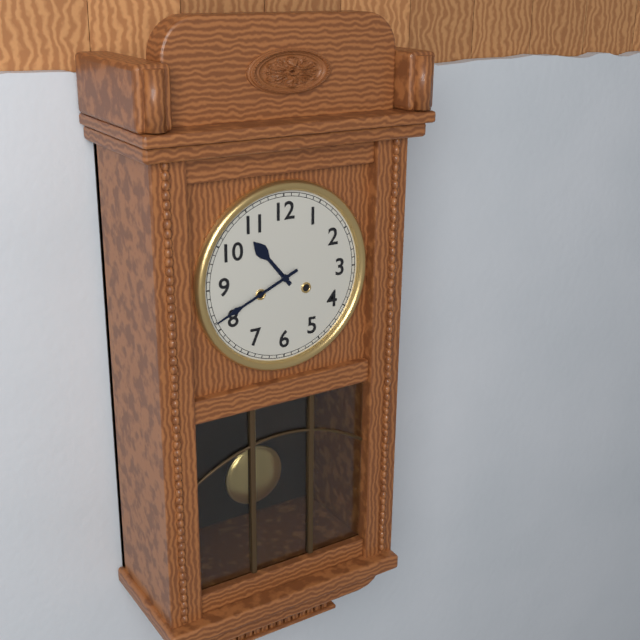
10:41
